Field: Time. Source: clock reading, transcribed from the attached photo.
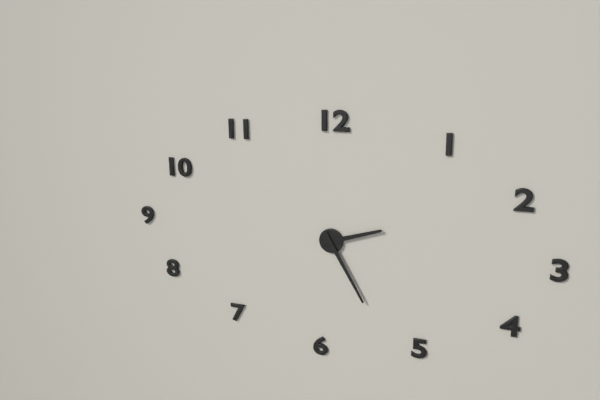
2:25
